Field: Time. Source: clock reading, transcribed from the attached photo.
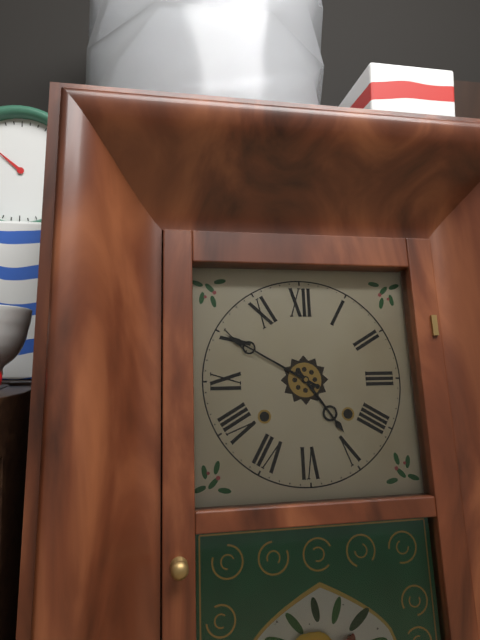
4:50
